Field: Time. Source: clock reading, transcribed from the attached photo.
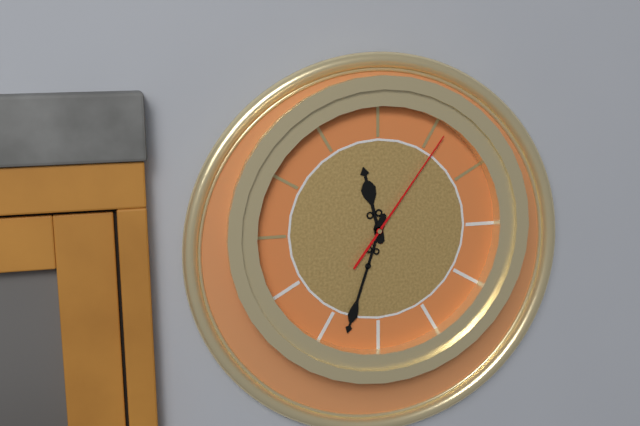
11:33:06
